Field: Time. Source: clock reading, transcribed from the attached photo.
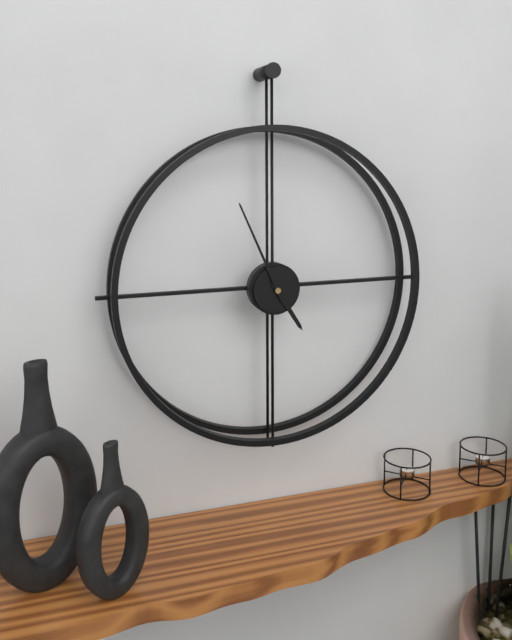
4:56
